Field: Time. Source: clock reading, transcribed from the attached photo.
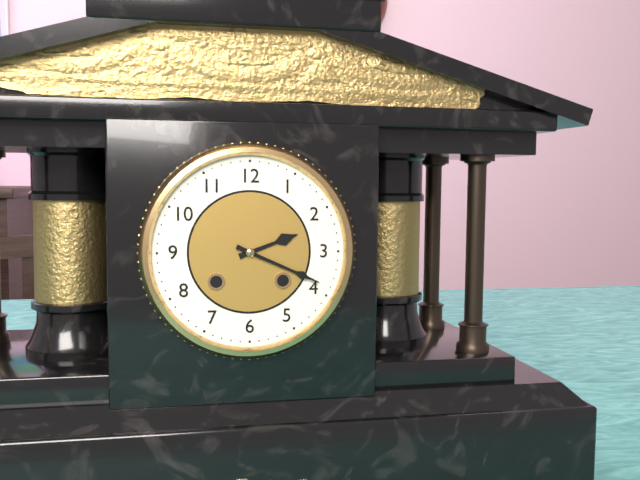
2:19
